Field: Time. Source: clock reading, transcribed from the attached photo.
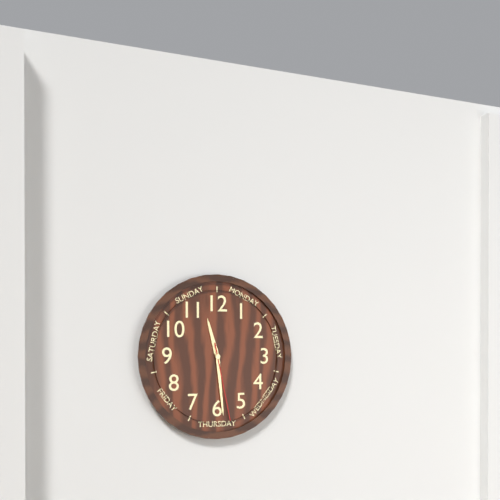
11:29:28
